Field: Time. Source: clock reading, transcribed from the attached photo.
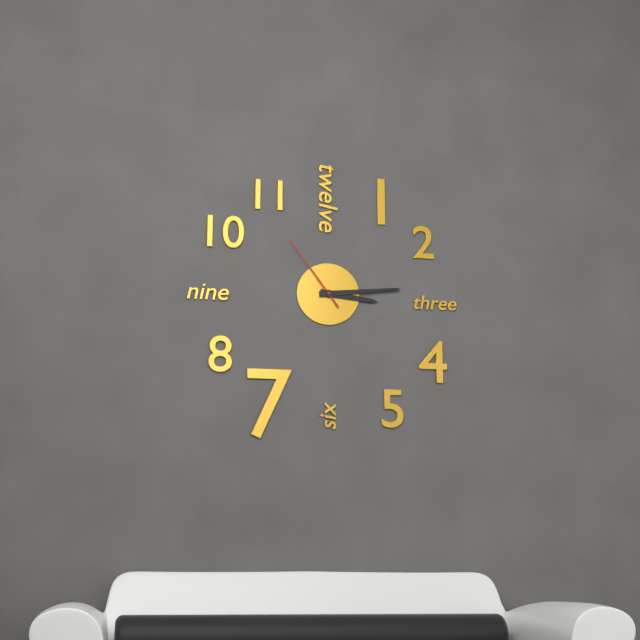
3:14:54
